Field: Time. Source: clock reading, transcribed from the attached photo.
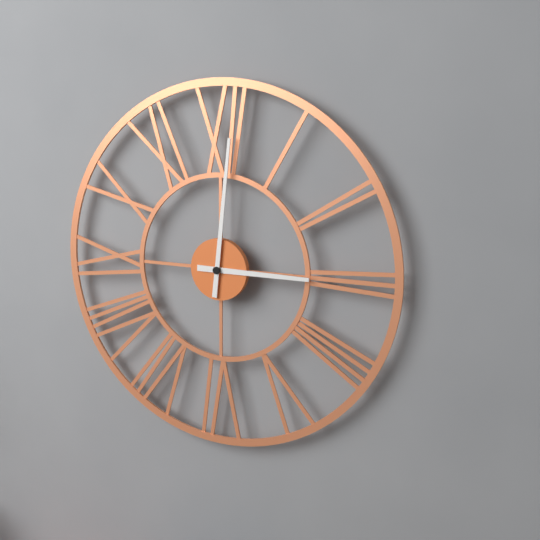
3:01
